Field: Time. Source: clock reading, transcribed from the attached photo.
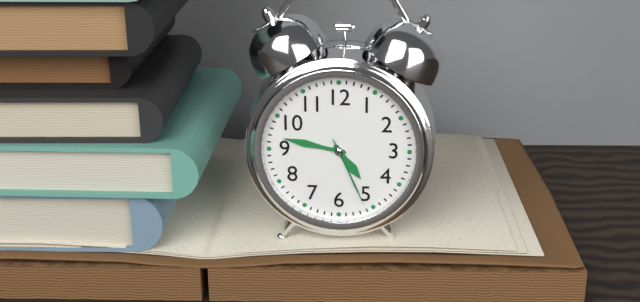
4:47:26
